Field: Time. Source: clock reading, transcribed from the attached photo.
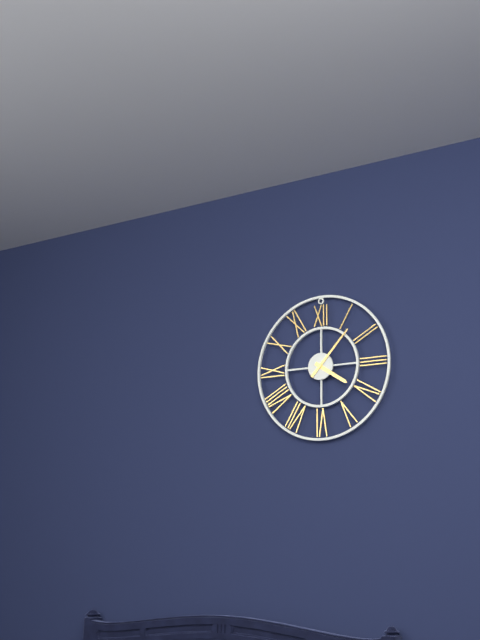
4:07
